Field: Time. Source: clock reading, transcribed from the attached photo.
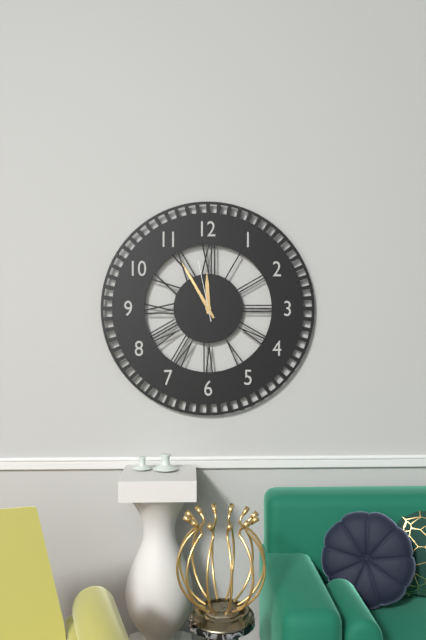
11:55:58
